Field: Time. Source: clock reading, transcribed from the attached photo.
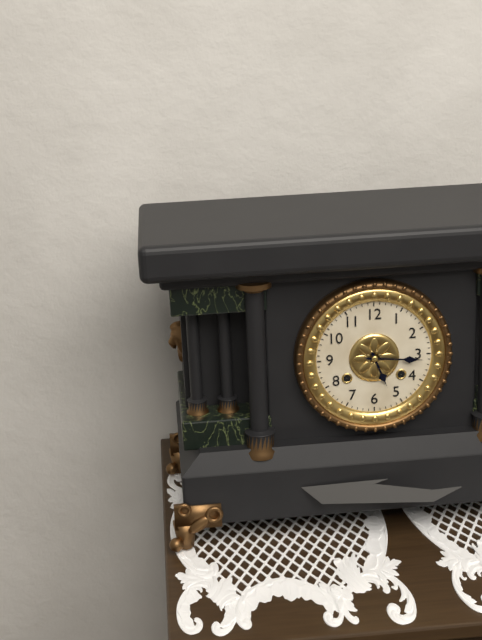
5:16
